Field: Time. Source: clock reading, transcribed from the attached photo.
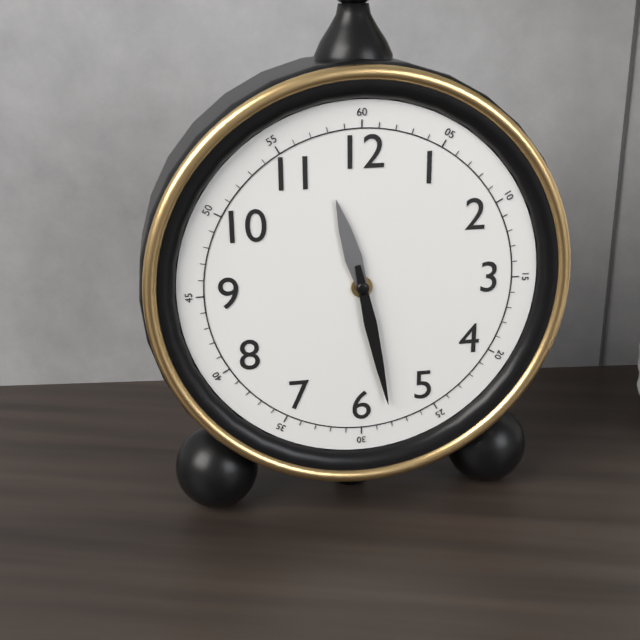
11:28
